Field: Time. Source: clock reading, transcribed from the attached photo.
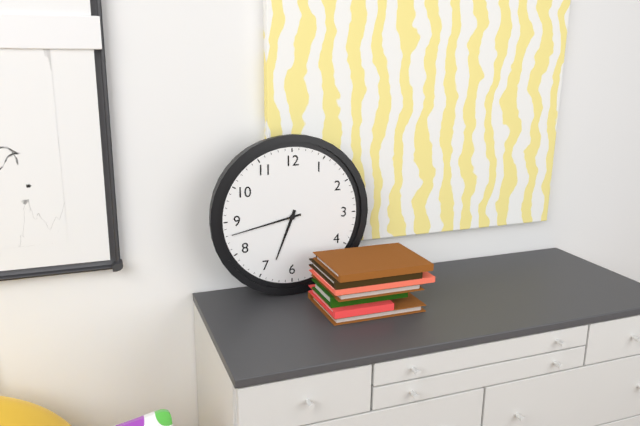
6:43
